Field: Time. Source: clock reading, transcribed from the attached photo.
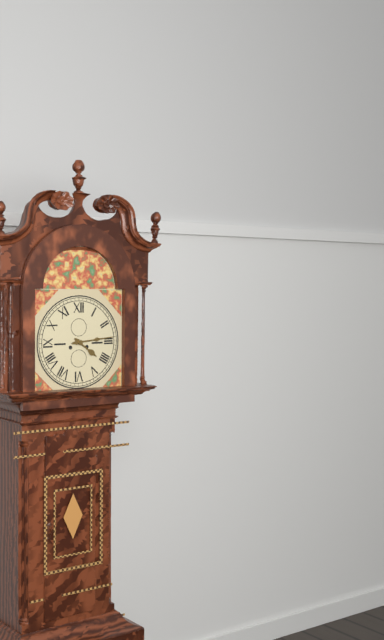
4:14
